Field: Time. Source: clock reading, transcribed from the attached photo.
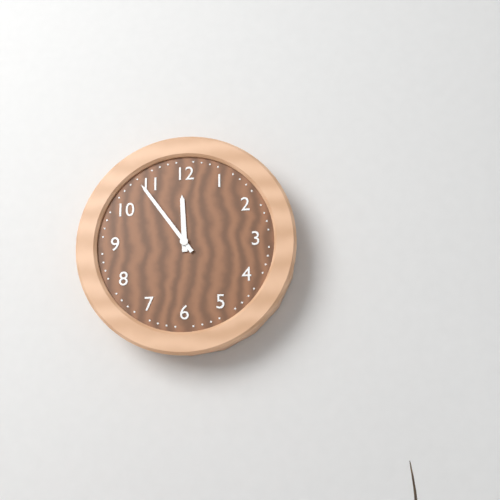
11:54
